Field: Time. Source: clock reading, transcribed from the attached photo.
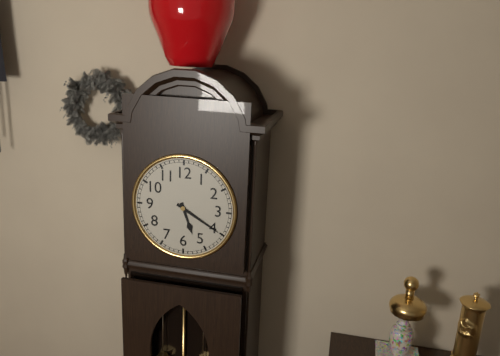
5:20
